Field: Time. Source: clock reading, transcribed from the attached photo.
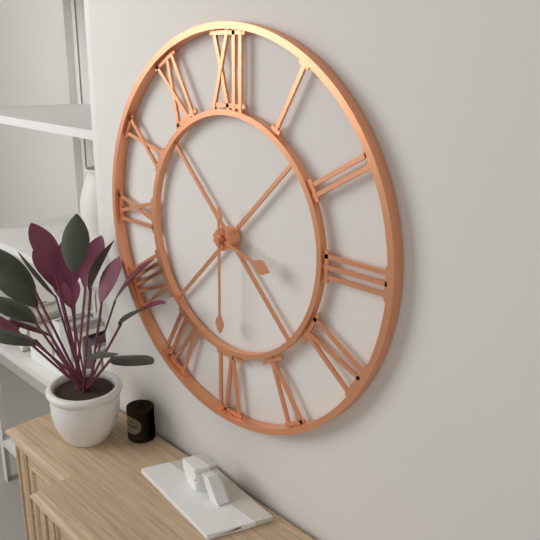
3:30
